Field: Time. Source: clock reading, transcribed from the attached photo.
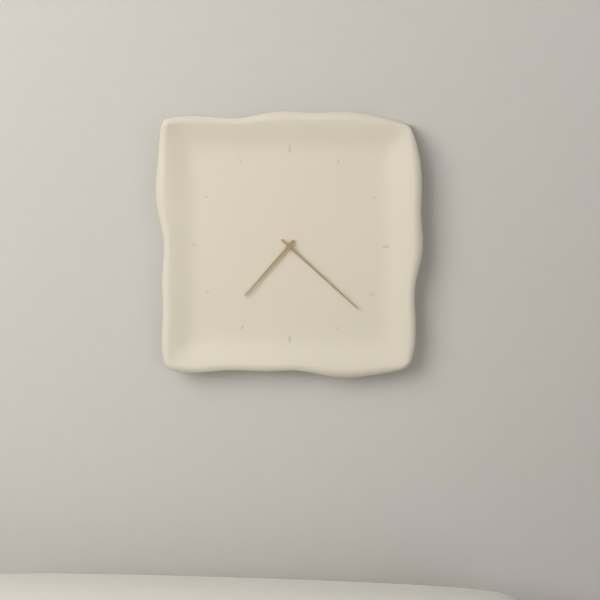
7:22
